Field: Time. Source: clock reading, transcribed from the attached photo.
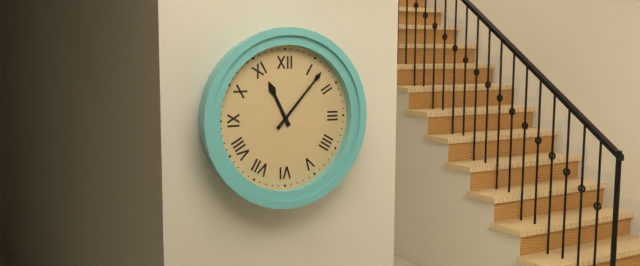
11:07
